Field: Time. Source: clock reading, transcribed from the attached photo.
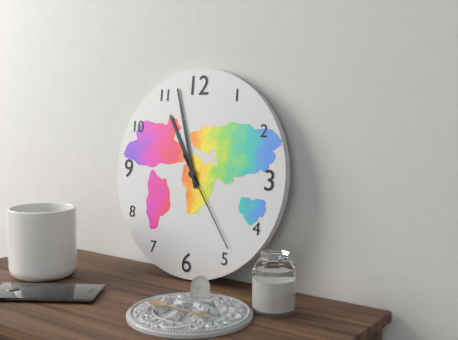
10:57:24
